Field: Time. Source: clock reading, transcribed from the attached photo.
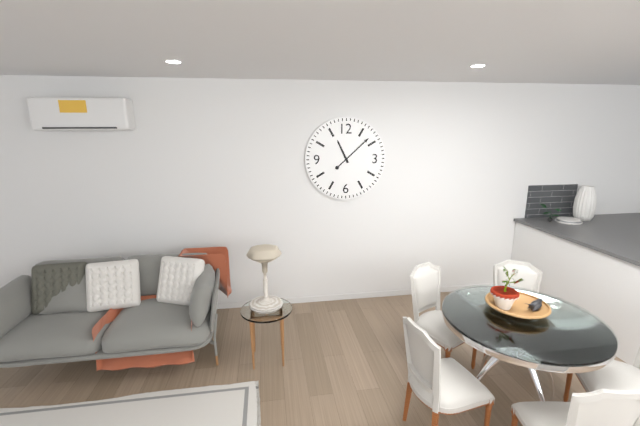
11:08
